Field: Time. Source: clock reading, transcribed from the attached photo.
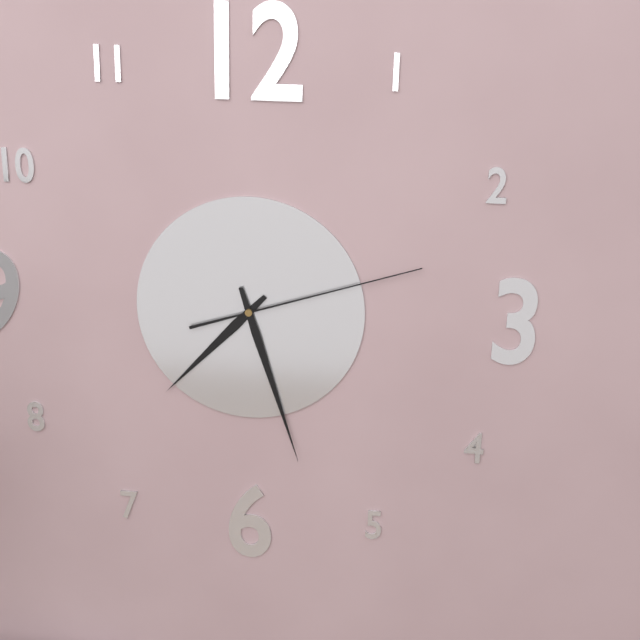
7:27:12
